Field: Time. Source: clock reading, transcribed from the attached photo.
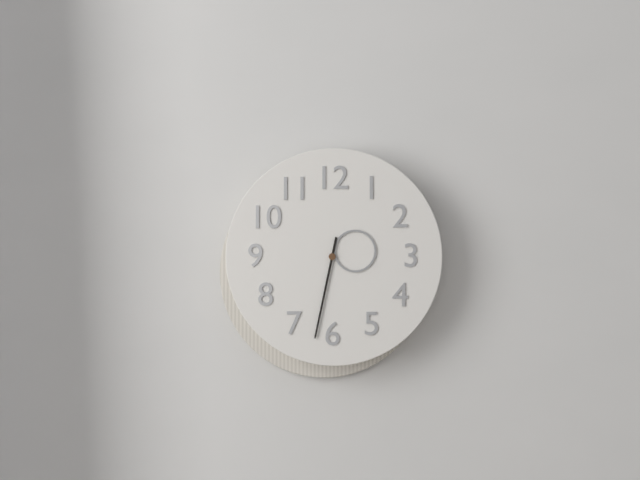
2:32
